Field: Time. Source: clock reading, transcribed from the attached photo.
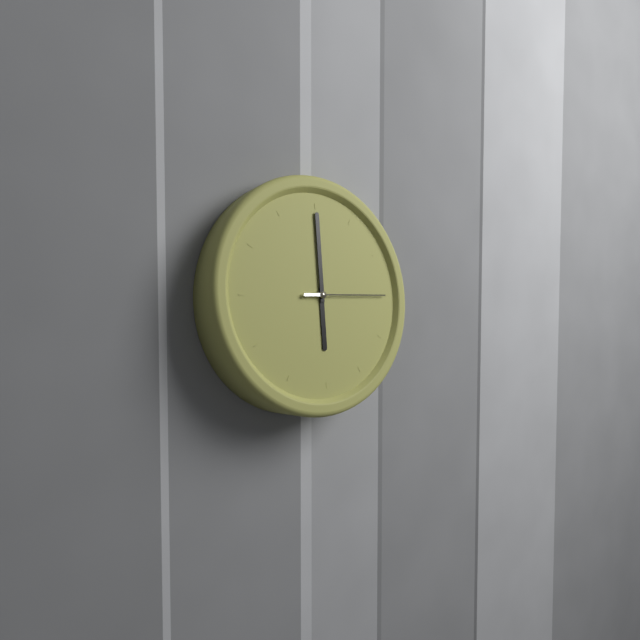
6:00:15
